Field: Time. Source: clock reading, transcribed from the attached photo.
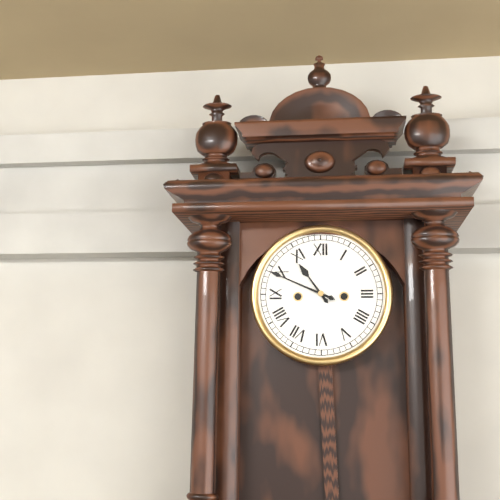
10:49
